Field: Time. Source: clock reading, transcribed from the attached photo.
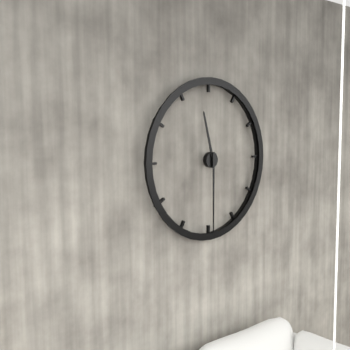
11:30
